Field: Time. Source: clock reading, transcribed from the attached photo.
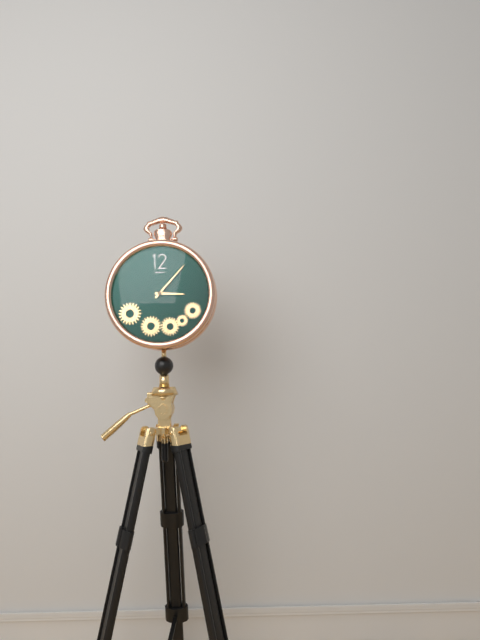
3:07
